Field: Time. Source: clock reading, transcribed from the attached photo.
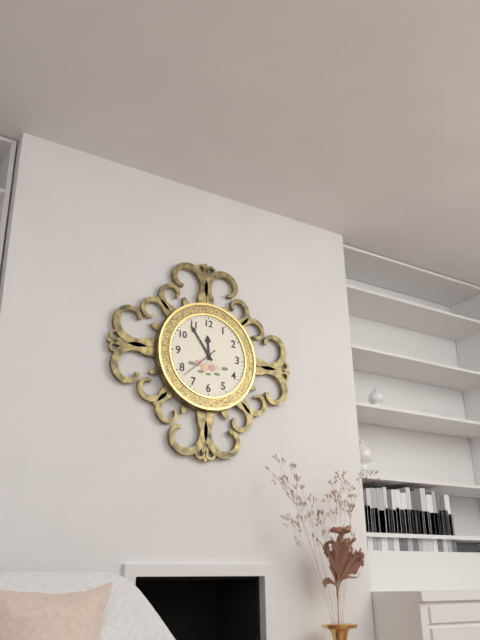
11:54
